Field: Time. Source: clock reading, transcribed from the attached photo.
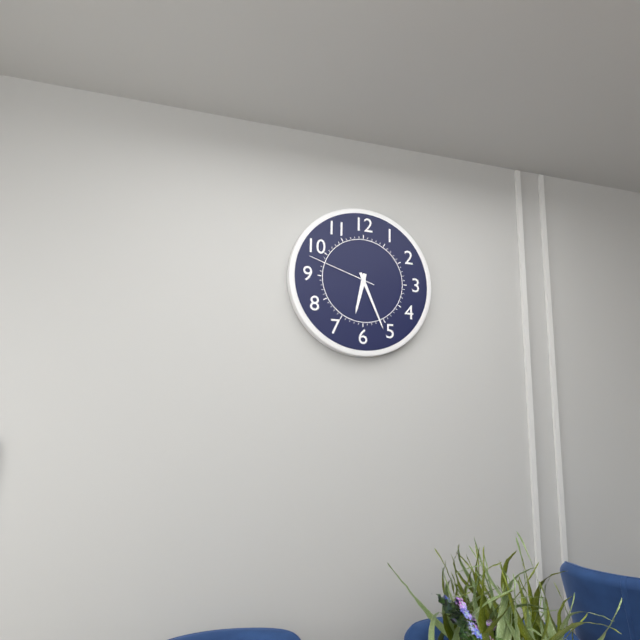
6:26:48
